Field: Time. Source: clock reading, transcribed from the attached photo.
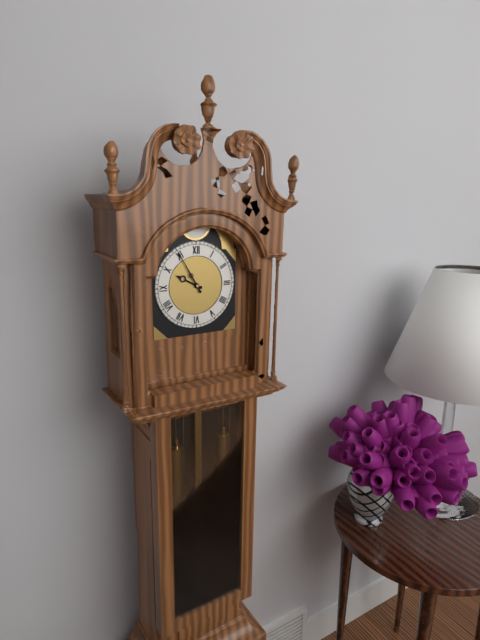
9:55
